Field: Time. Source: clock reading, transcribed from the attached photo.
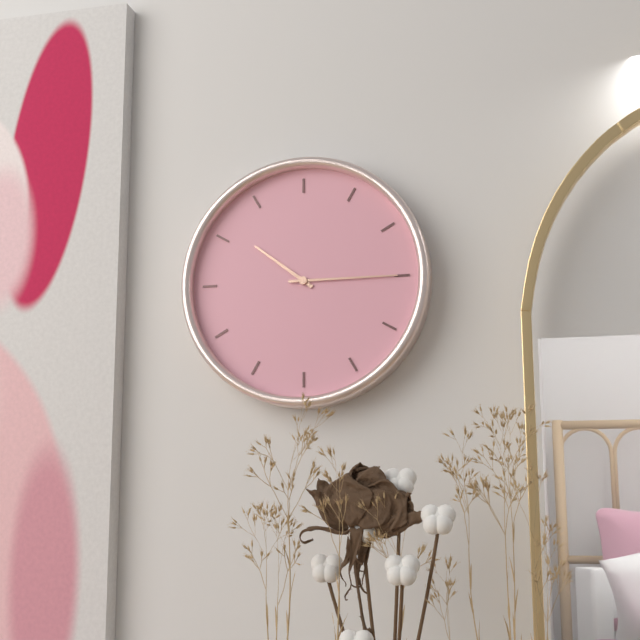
10:15
